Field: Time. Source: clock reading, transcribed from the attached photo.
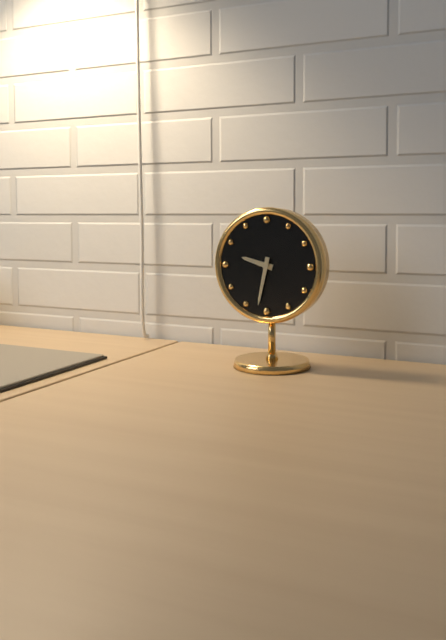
9:32
